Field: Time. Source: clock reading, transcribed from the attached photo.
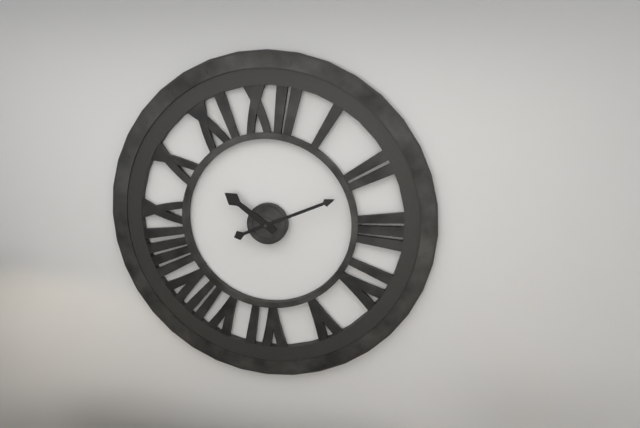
10:11
